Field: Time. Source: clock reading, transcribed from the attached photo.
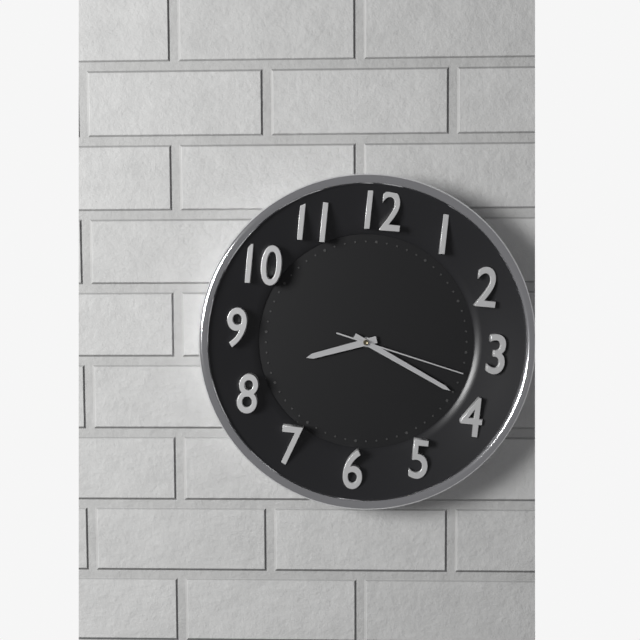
8:19:17
